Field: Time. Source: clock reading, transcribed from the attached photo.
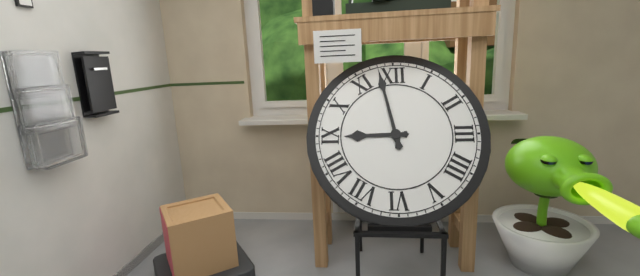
8:58
